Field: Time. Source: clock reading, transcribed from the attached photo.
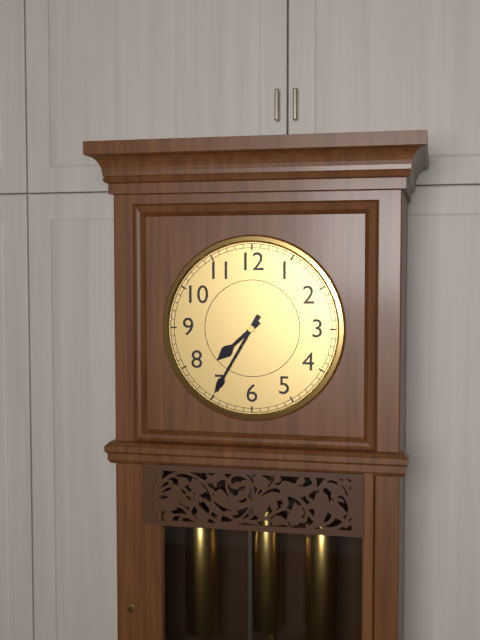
7:35
